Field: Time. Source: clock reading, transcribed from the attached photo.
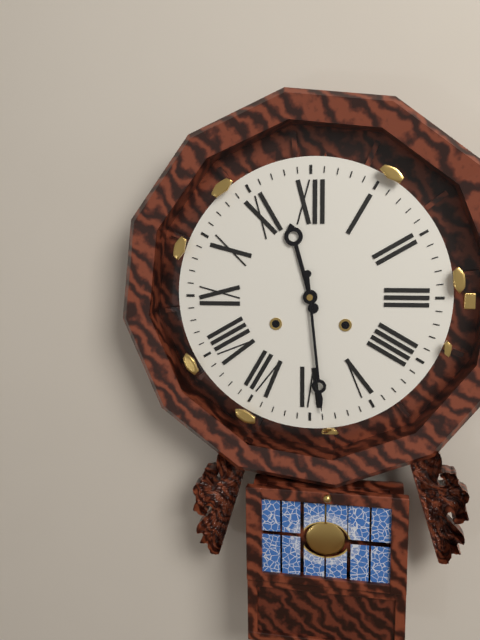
11:29
